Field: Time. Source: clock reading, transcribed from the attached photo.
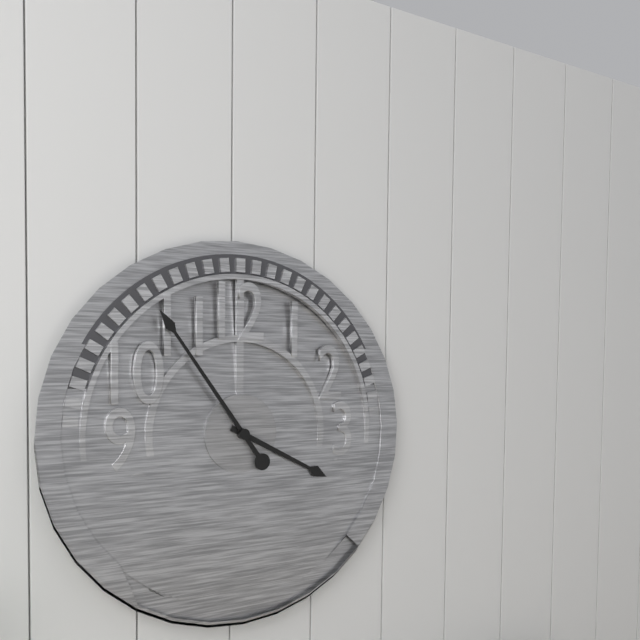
3:54
